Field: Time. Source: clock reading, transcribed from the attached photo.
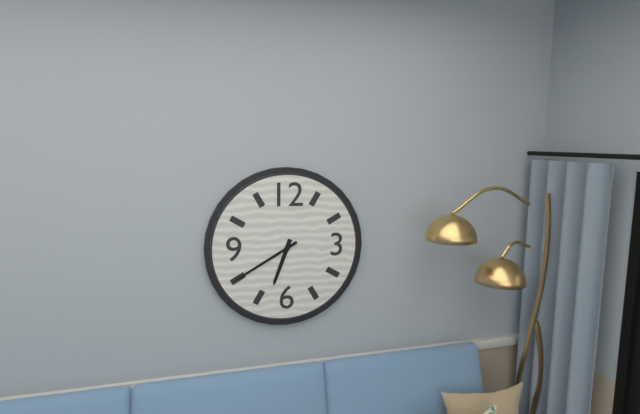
6:40
